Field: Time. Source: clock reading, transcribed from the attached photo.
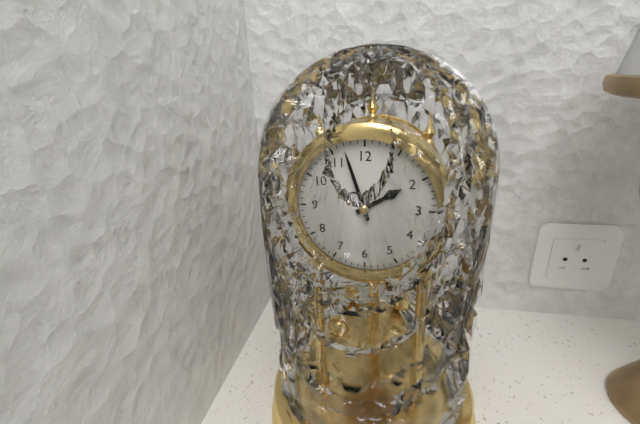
1:57
